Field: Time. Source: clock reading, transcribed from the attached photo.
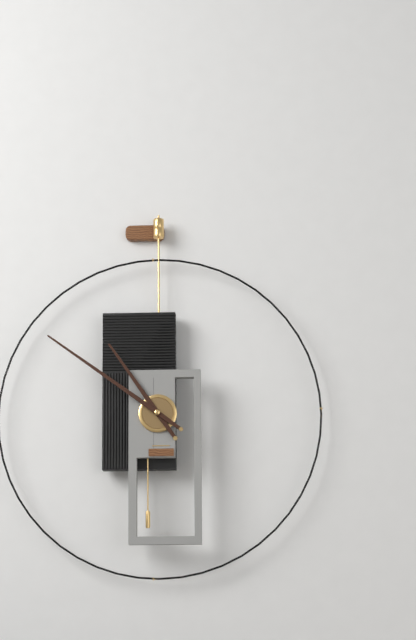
10:51
